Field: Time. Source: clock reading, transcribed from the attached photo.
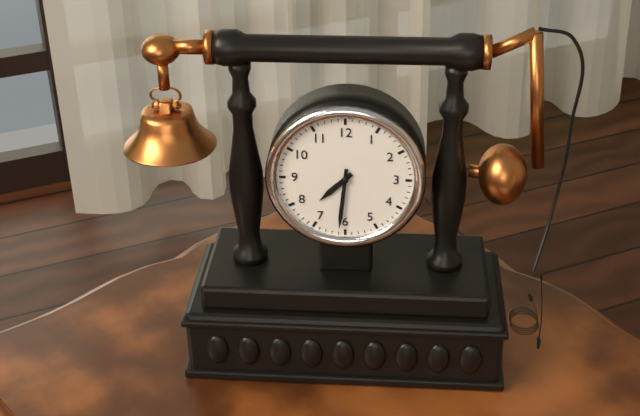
7:31
